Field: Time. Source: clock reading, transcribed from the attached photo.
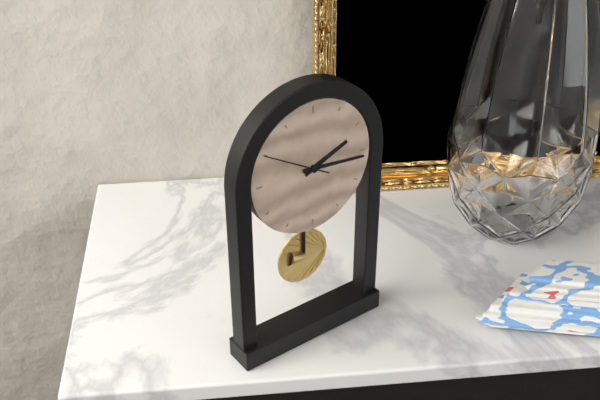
2:16:50
